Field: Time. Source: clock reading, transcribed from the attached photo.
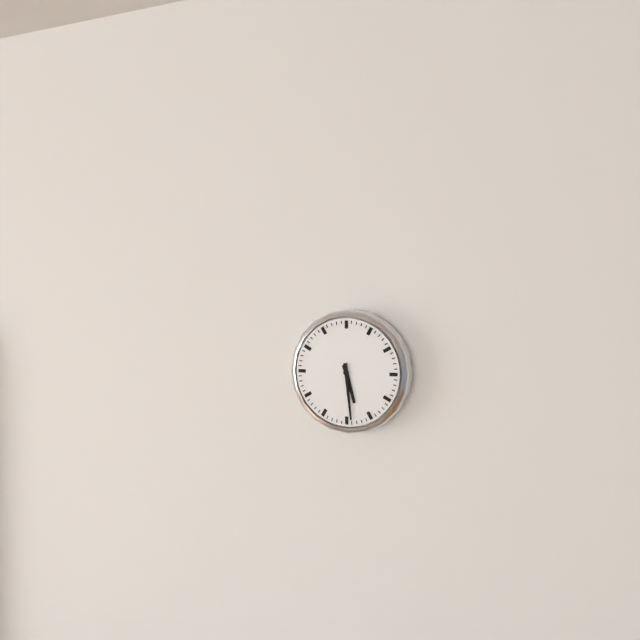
5:29
